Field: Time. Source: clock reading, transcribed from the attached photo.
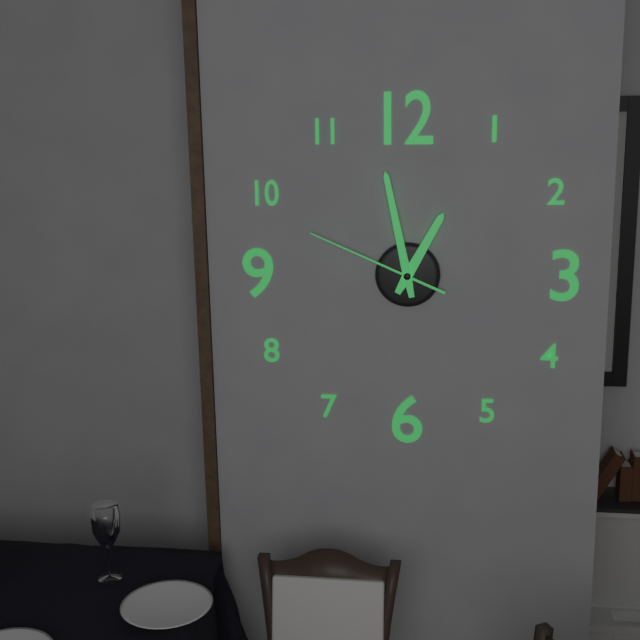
12:58:49
